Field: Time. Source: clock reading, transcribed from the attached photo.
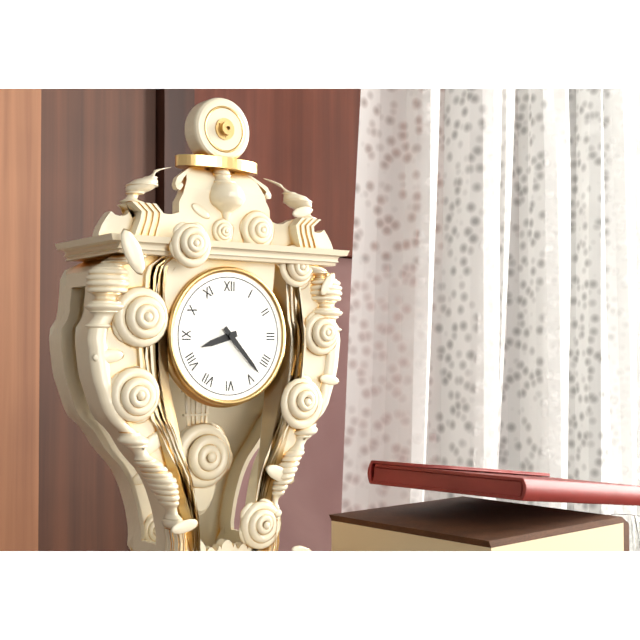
8:23
